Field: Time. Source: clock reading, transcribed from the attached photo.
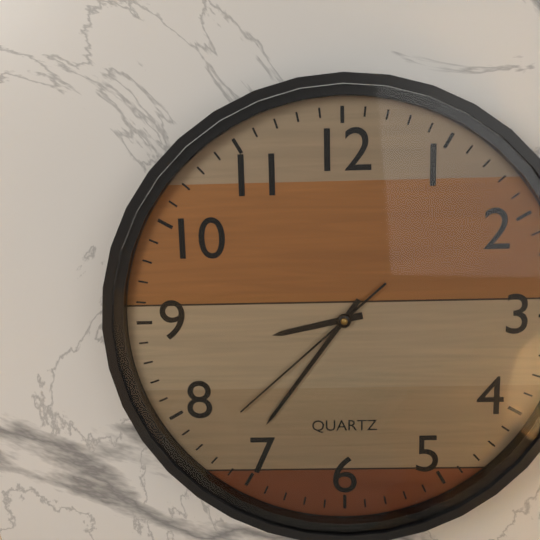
8:36:38
